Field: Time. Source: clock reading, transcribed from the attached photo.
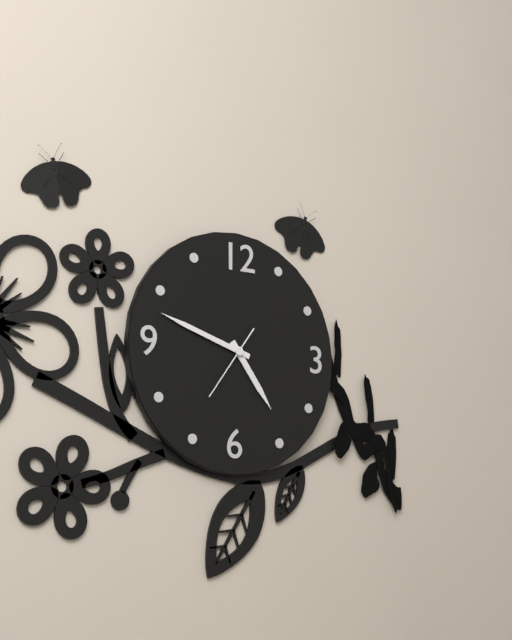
4:48:36
